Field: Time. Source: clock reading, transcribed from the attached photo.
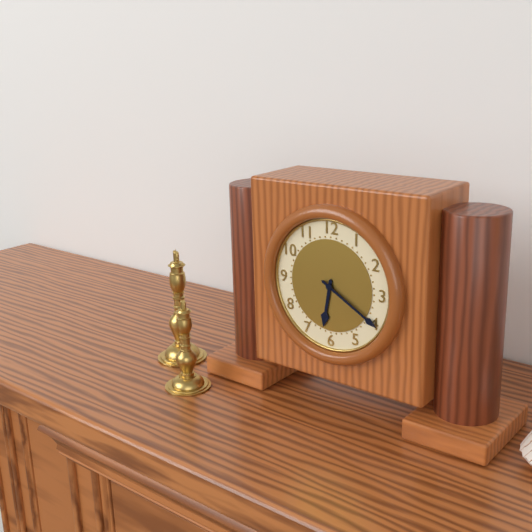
6:20
